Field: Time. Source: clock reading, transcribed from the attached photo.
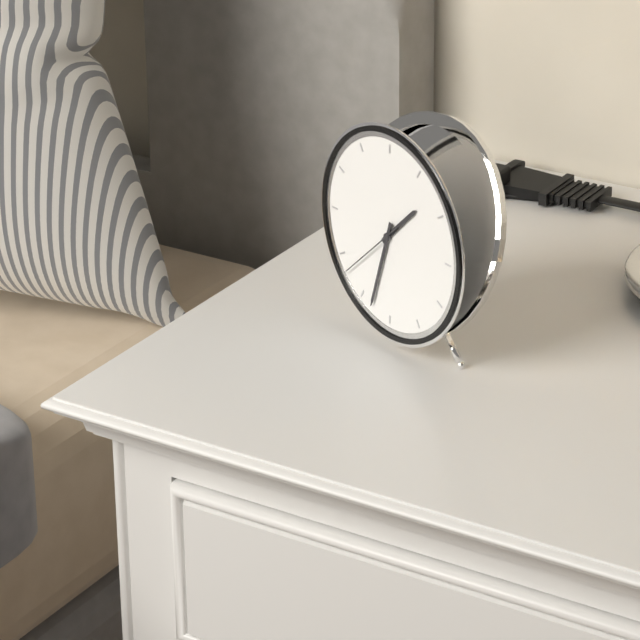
1:33:38
